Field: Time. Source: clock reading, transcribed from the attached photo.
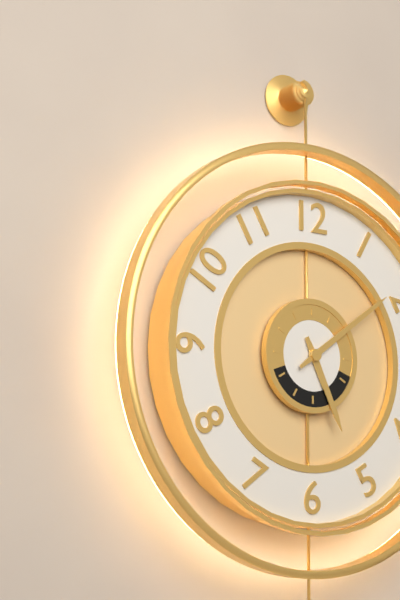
5:09
